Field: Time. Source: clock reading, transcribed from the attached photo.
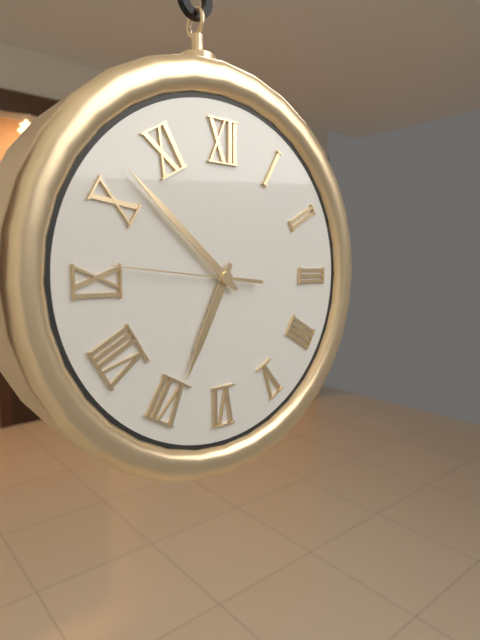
6:52:46
